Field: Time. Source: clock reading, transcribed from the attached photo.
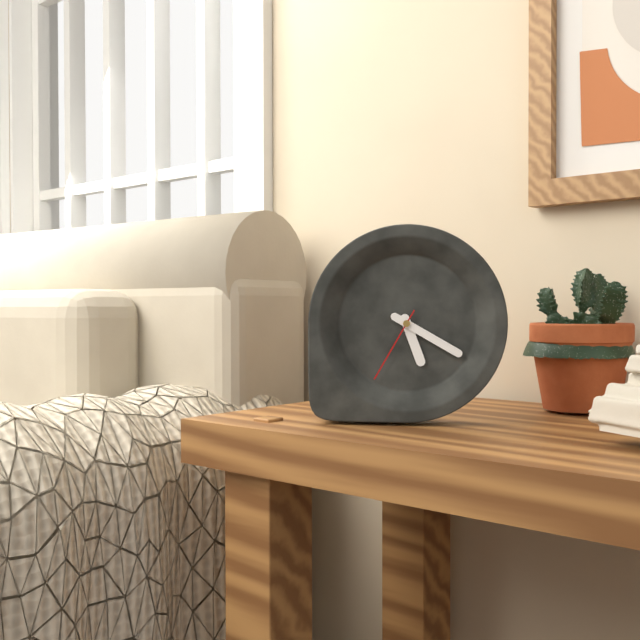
5:20:35
